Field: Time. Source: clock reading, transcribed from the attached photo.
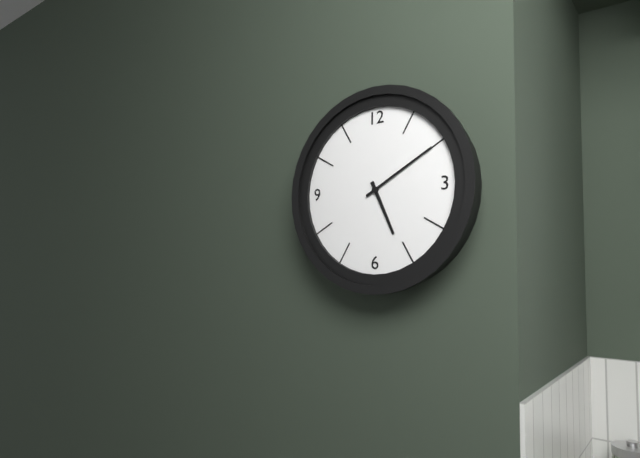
5:10
